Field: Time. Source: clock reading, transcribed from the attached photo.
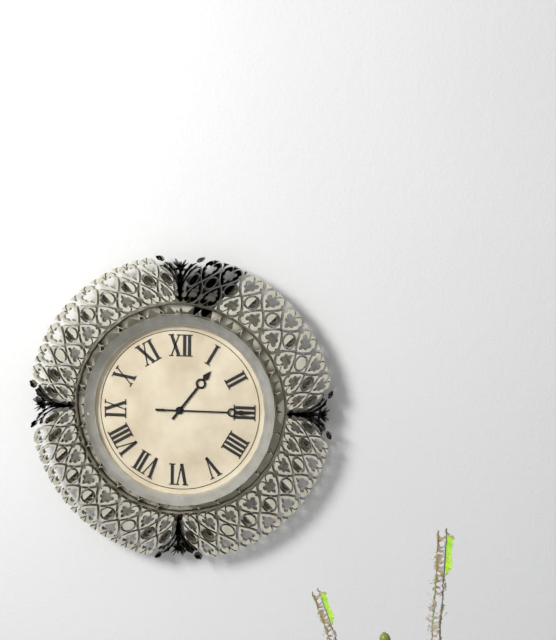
1:15
